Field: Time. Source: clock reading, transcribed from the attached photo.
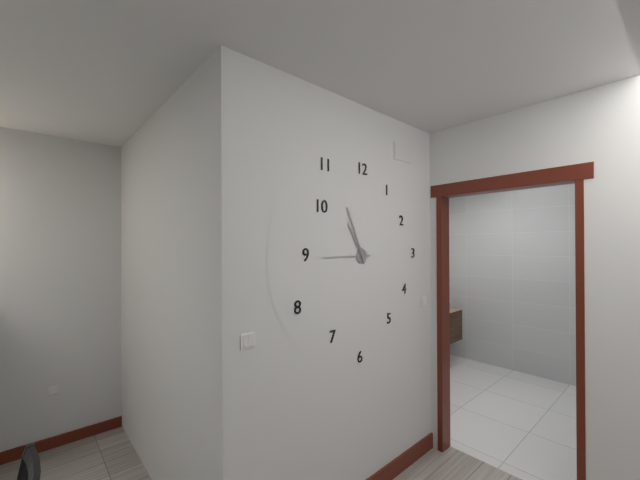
10:56
